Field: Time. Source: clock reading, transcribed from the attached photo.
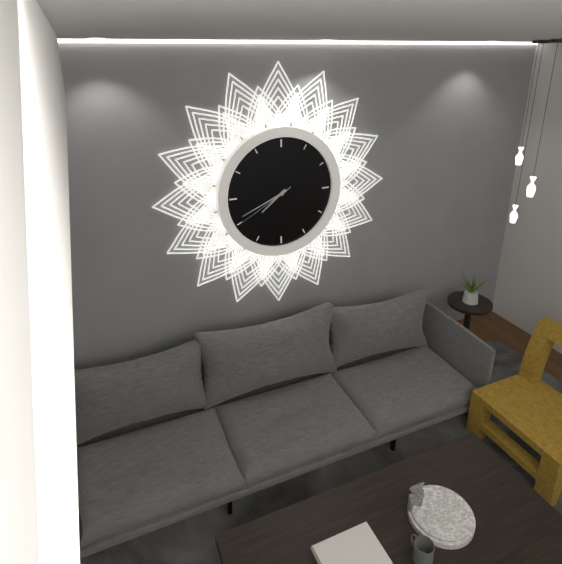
7:41:40
